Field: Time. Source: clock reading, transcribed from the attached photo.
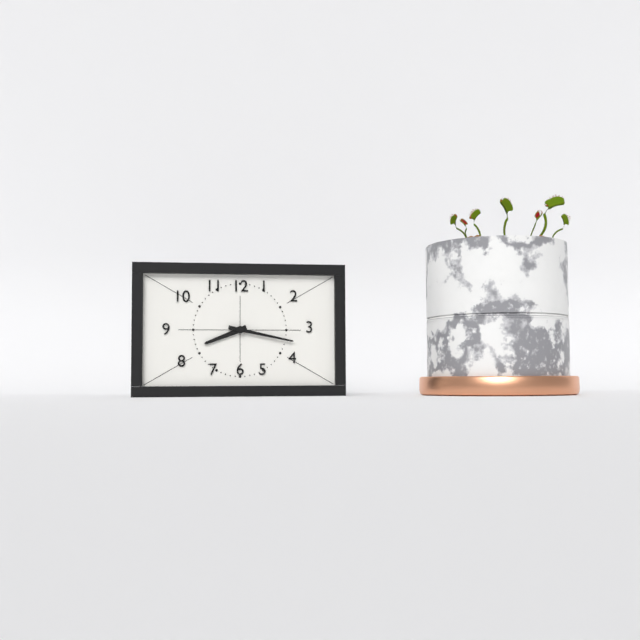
8:17
